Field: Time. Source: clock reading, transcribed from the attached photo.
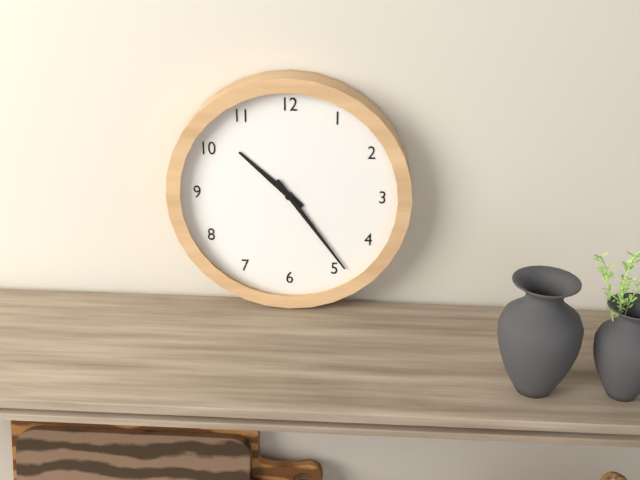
10:24
